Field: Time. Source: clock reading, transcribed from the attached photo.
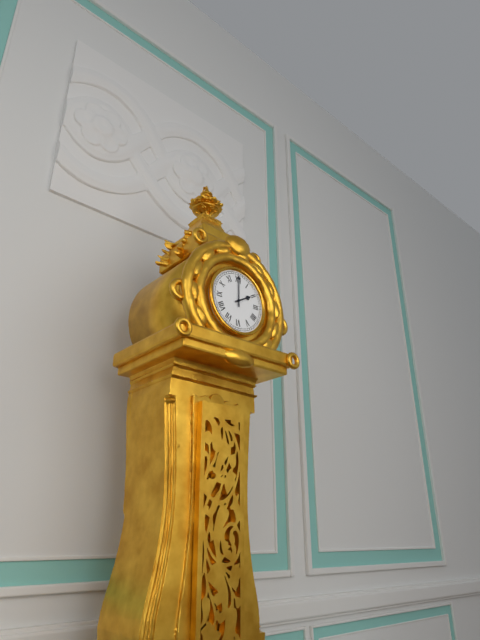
2:00
